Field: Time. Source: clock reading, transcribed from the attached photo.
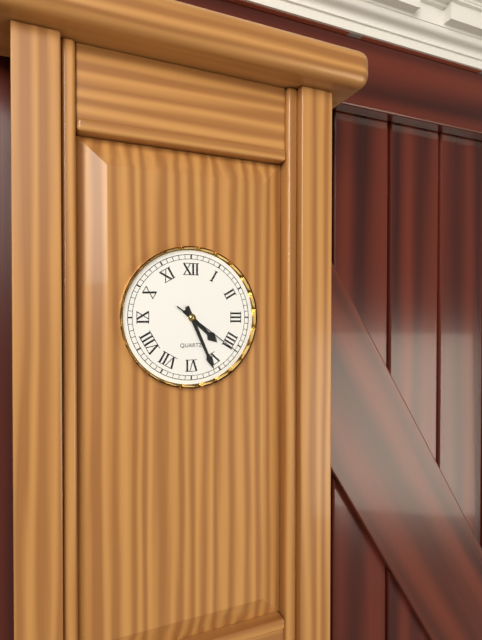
4:26:21
